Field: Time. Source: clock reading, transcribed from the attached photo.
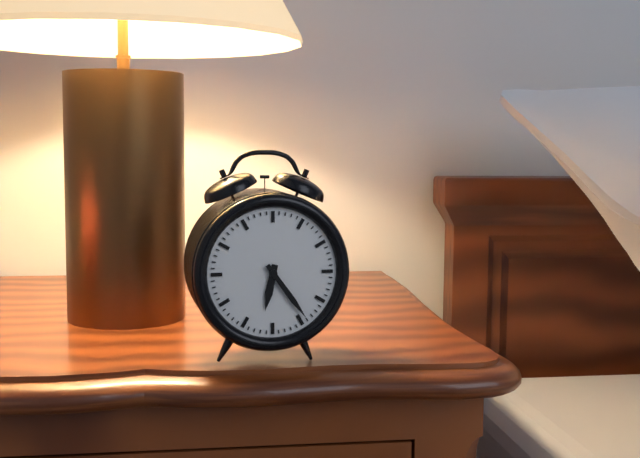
6:24
